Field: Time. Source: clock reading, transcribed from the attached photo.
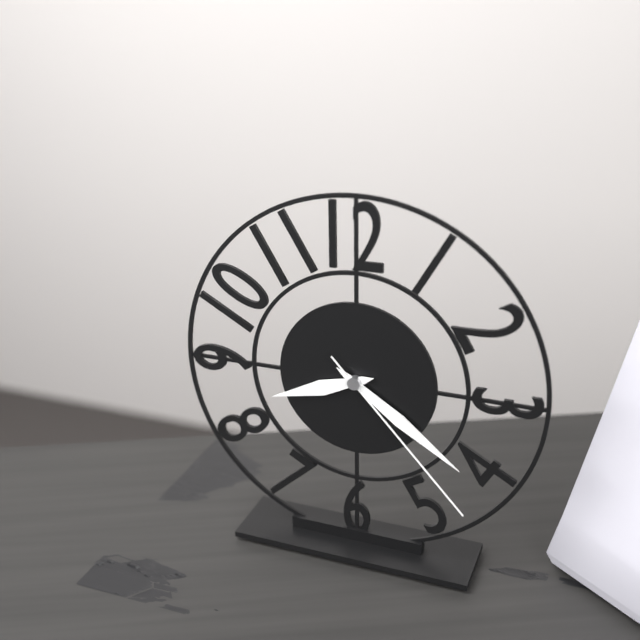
8:21:23
